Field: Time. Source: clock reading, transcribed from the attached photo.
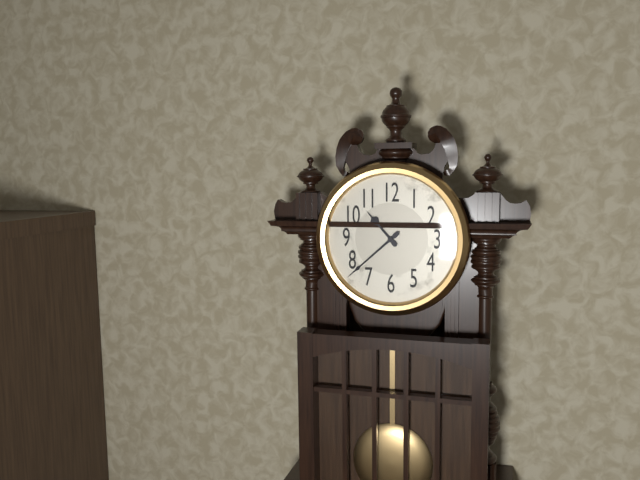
10:38
